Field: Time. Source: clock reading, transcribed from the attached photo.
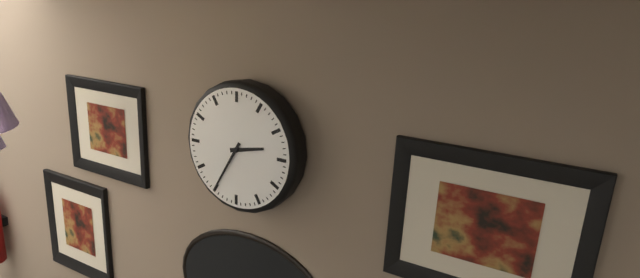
2:35
